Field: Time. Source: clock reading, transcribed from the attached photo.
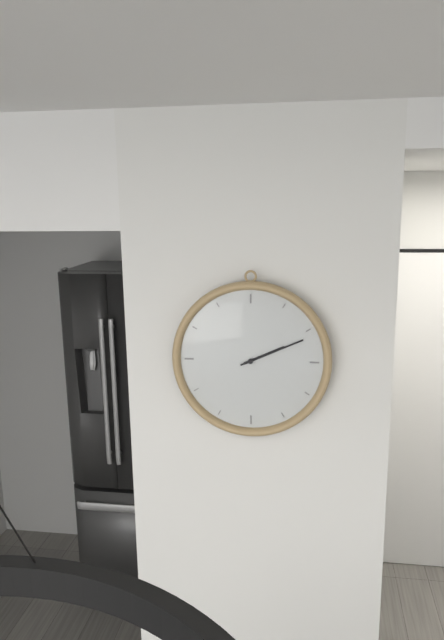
2:11
